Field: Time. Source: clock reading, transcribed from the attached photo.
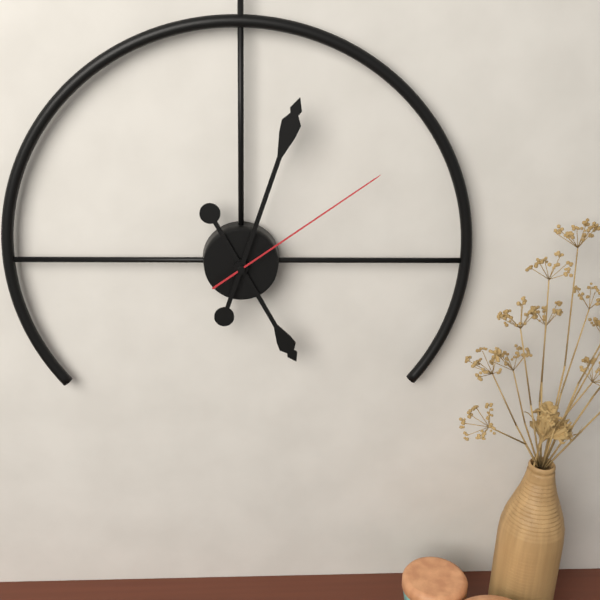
5:03:09
